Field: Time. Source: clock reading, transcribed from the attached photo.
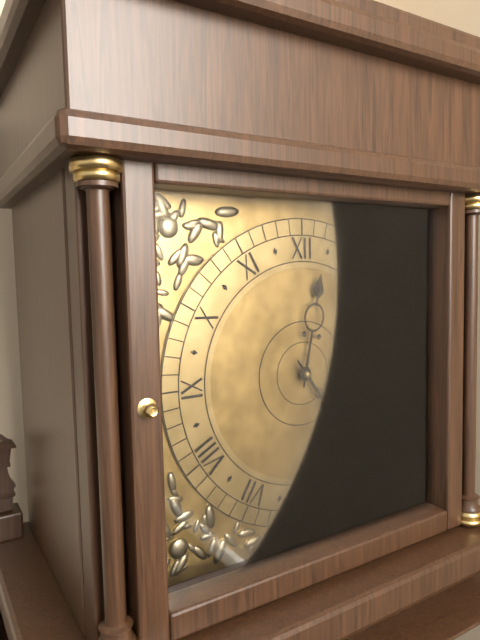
12:24
